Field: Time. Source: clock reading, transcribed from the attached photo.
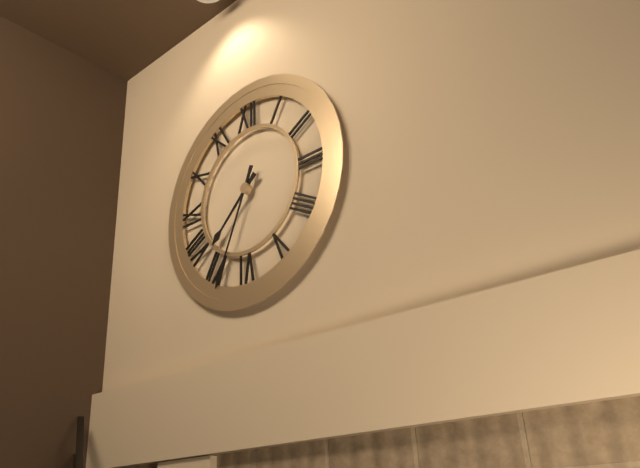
7:34
